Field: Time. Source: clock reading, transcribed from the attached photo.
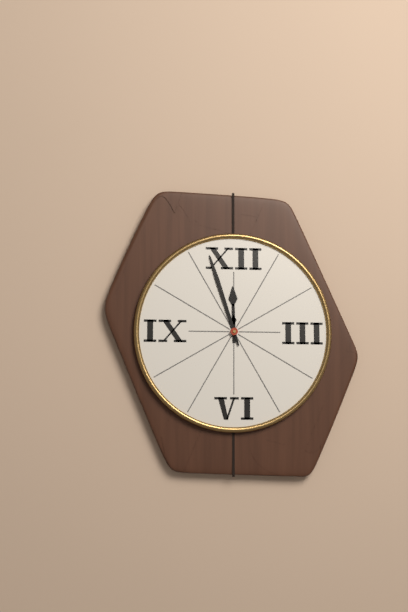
11:57
